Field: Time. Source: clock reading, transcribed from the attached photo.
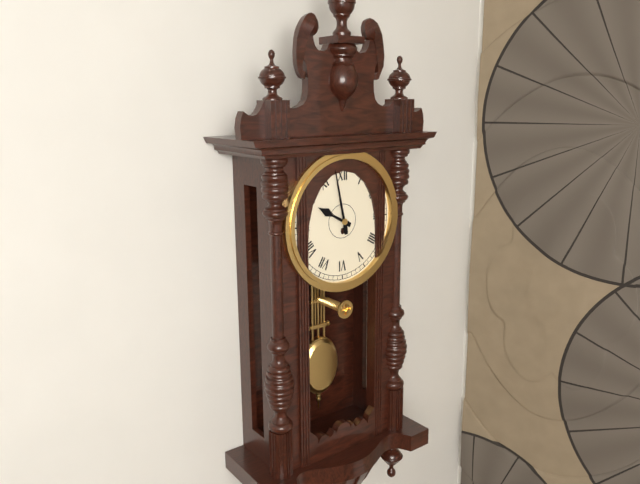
9:58
